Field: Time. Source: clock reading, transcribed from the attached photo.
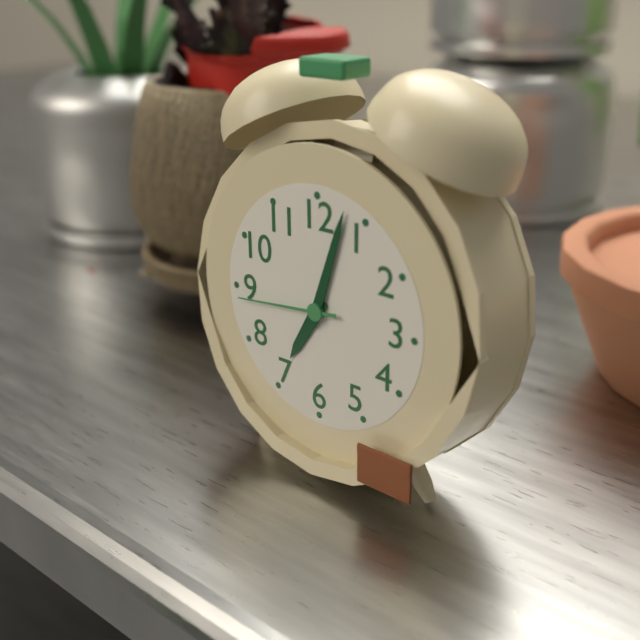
7:03:44
